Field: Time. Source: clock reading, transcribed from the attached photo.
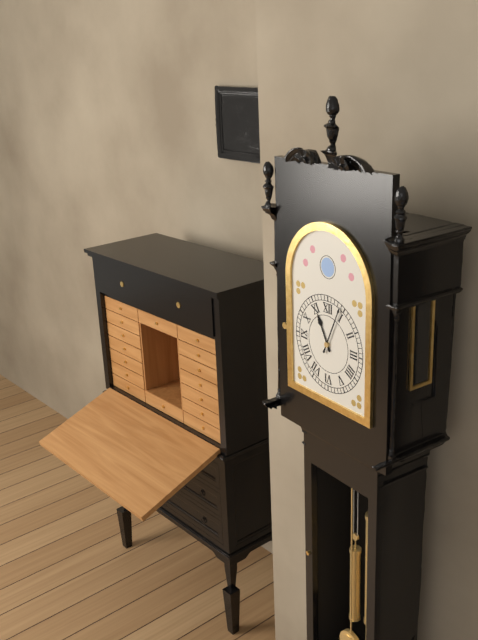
11:04
